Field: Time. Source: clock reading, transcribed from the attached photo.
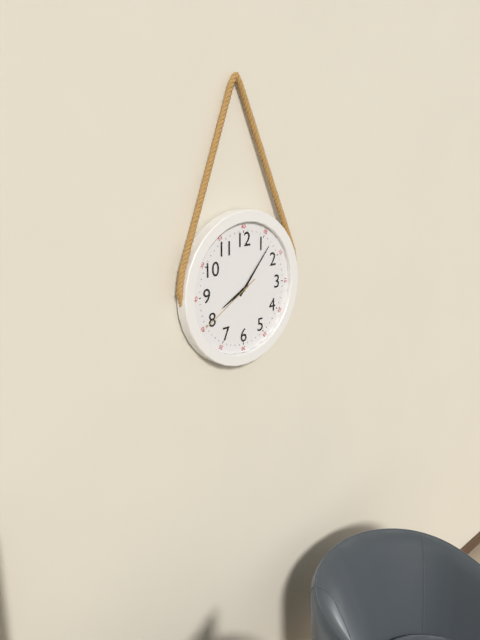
8:07:40
